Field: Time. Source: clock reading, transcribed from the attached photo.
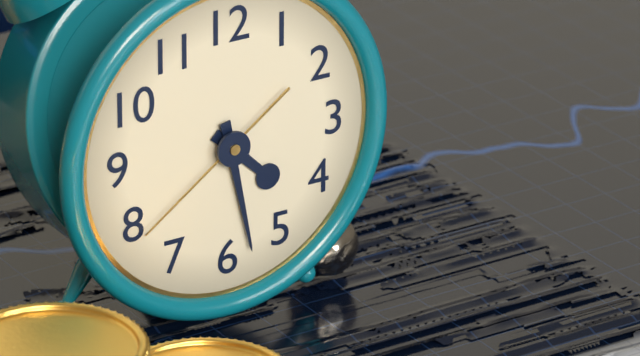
4:28:39
